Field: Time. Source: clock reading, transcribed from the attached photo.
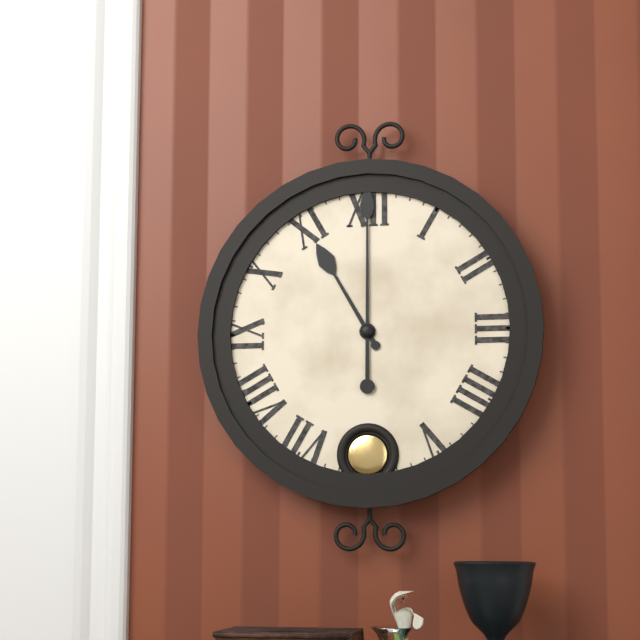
11:00
